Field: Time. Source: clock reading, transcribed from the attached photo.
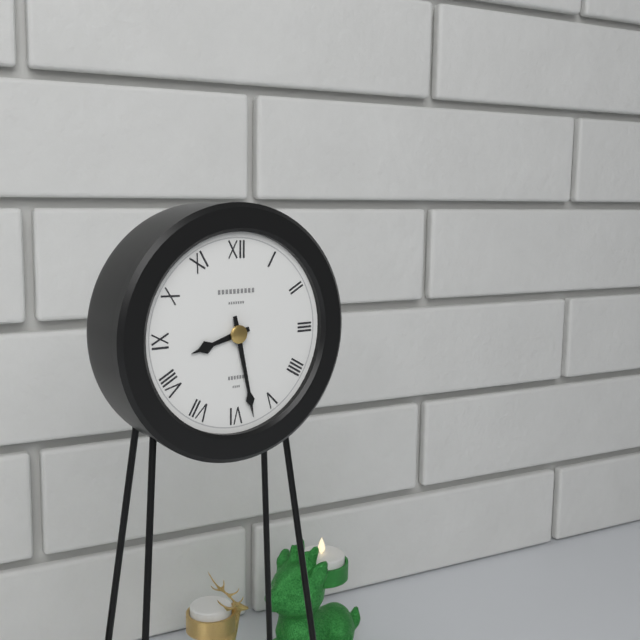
8:28
